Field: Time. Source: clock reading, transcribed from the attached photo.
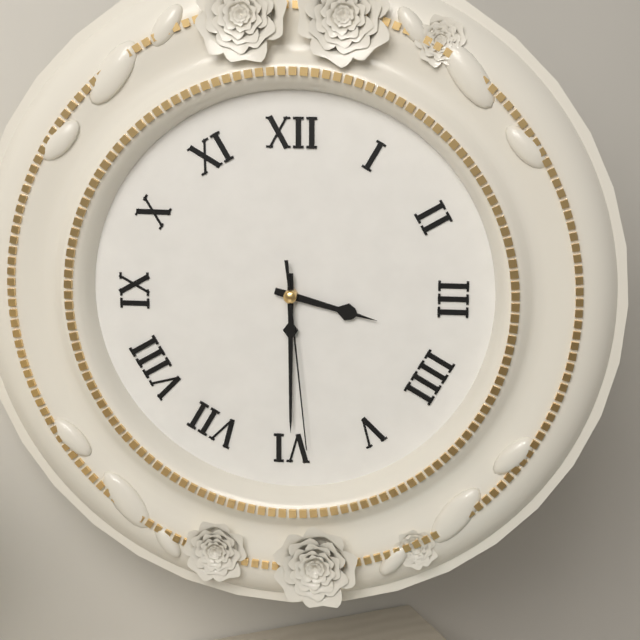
3:30:29
